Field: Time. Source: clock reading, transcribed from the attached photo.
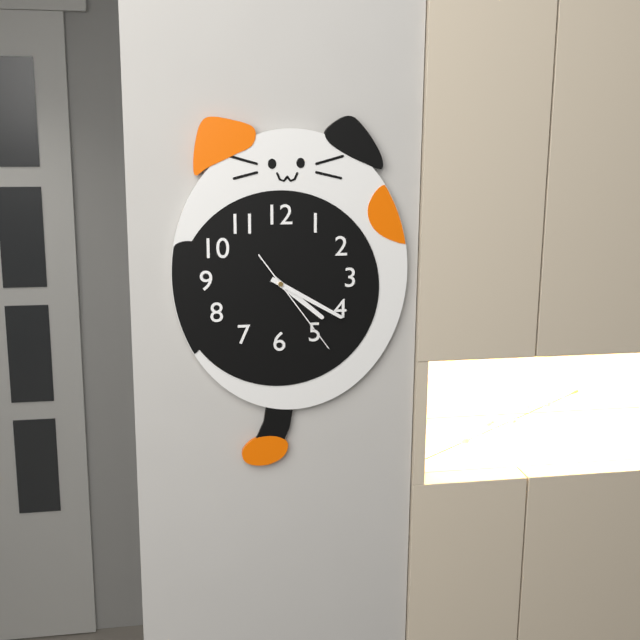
4:20:24
